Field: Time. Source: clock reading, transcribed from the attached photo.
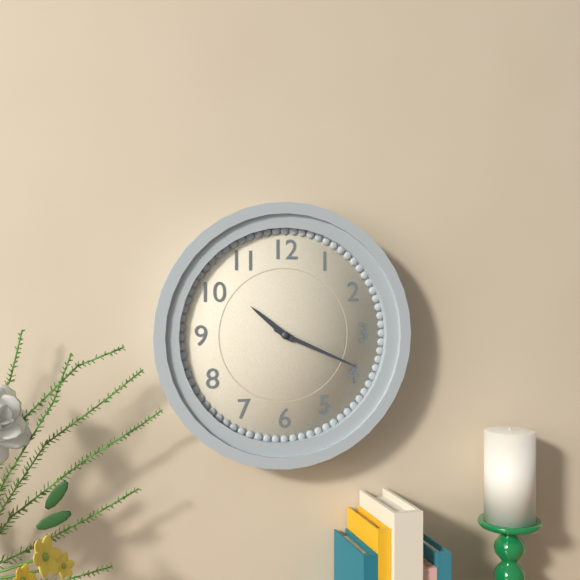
10:19
